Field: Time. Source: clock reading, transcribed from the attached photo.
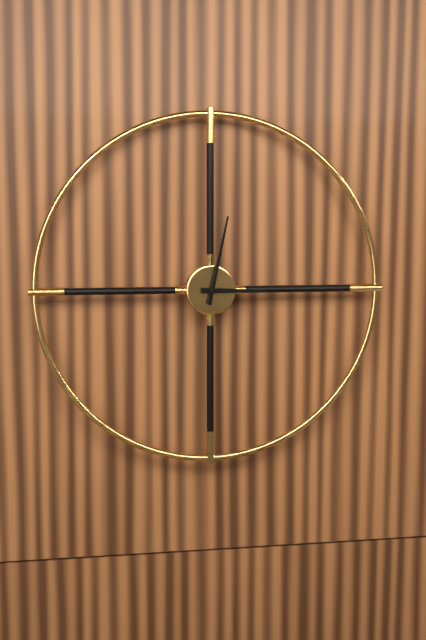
3:02
